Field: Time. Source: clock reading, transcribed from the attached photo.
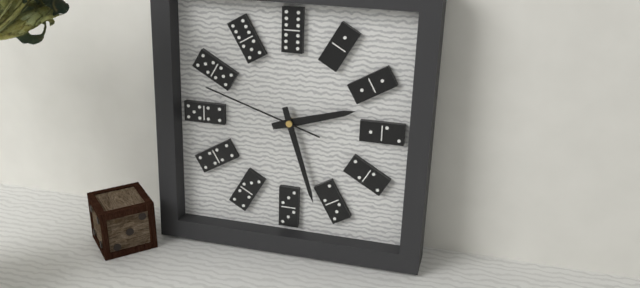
2:27:48
